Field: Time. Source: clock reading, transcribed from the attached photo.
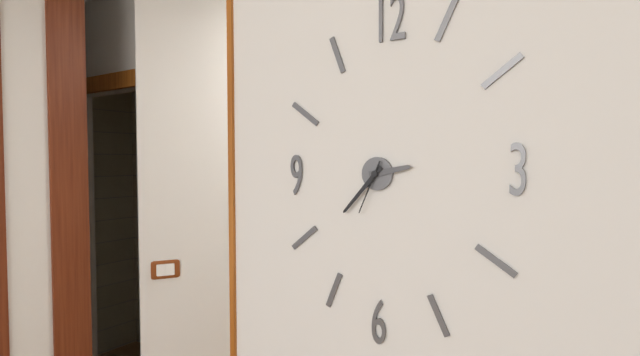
2:37:34
